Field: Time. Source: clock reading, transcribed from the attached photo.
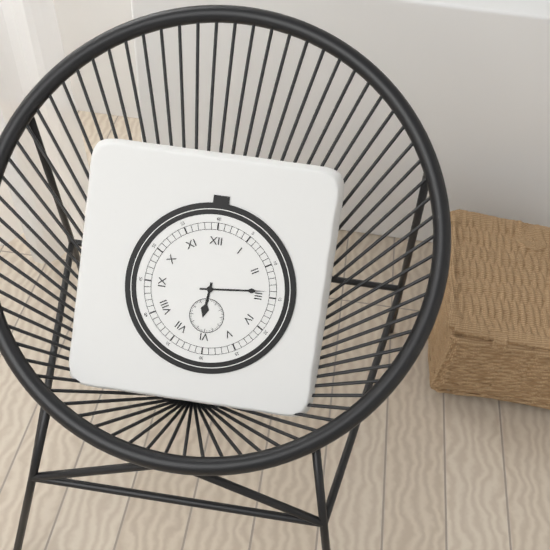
6:14
